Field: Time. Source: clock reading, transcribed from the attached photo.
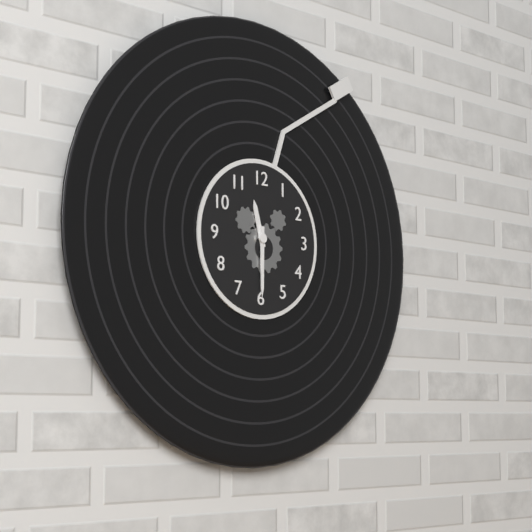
11:30
